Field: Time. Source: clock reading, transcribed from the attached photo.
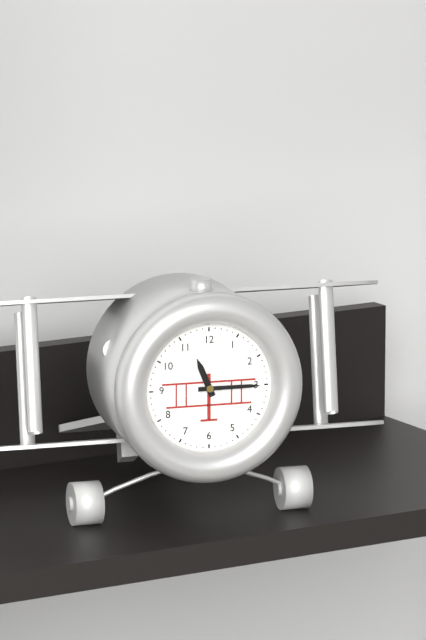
11:15
